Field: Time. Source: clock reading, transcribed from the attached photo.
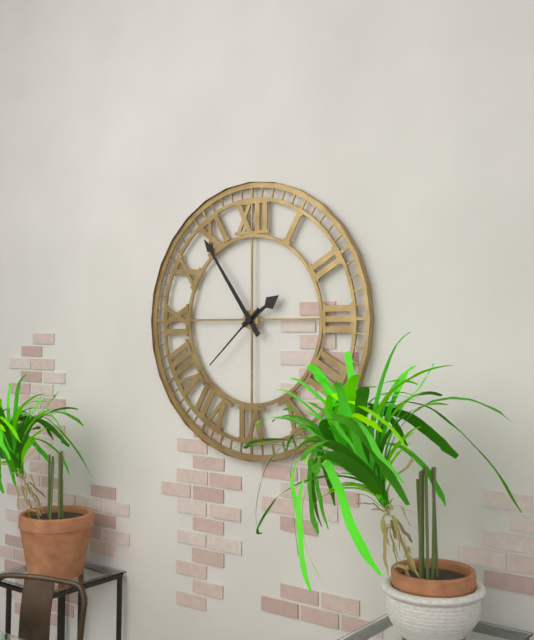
1:54:38
